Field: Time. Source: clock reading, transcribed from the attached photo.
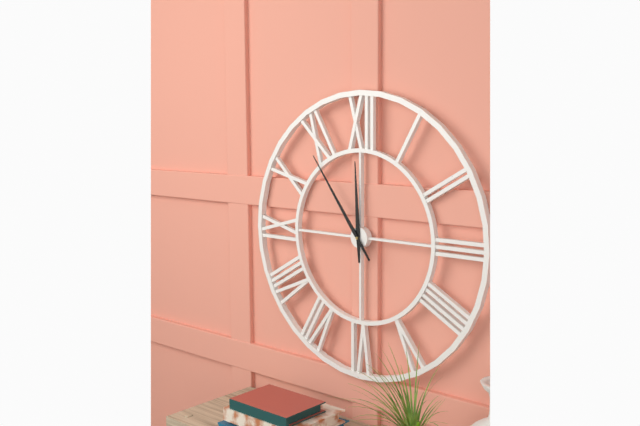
11:54
